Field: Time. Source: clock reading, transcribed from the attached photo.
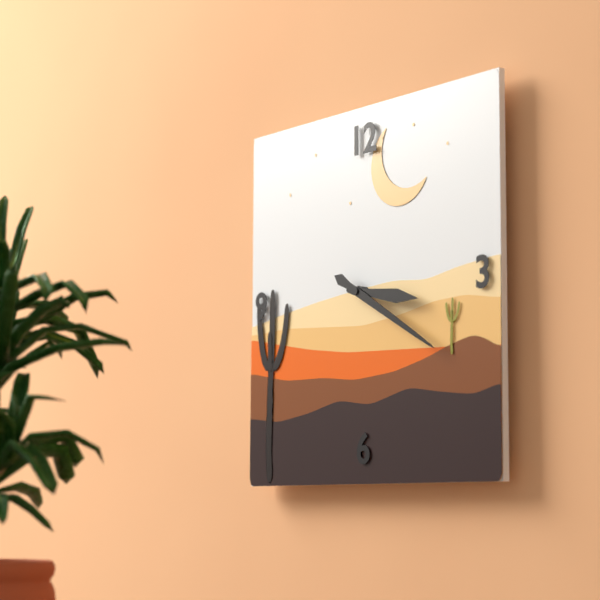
3:20
